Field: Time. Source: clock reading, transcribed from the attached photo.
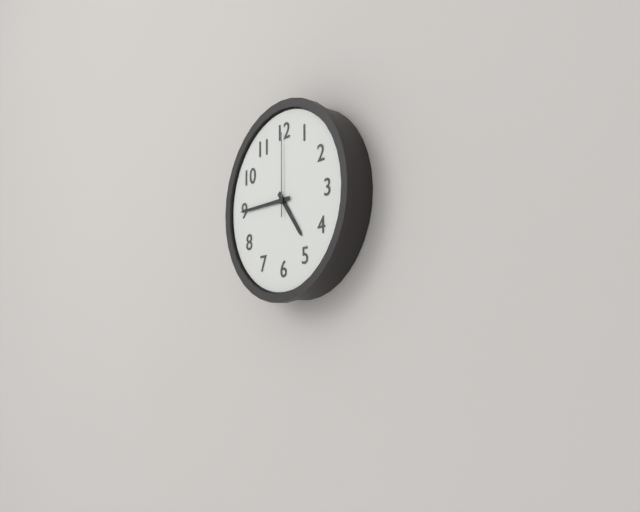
4:45:00
